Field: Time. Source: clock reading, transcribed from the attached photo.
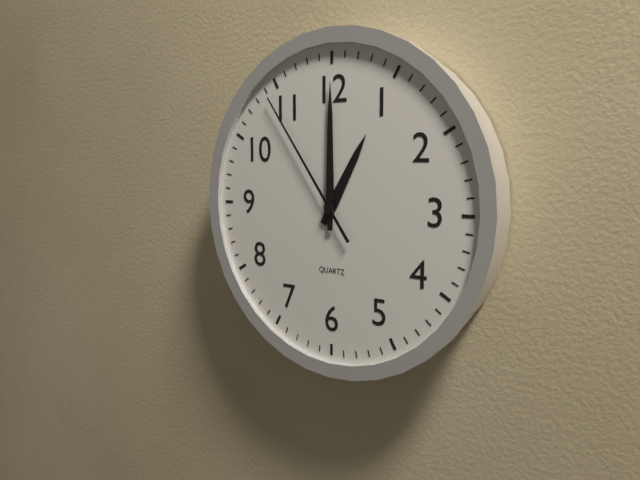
1:00:54
